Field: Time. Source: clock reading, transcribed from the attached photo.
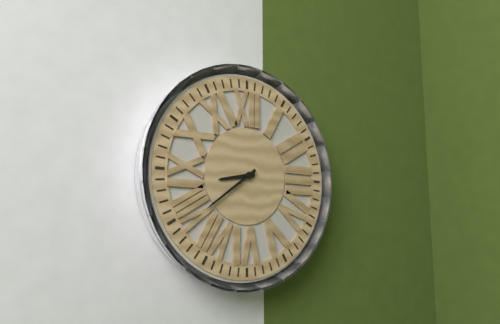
8:39
